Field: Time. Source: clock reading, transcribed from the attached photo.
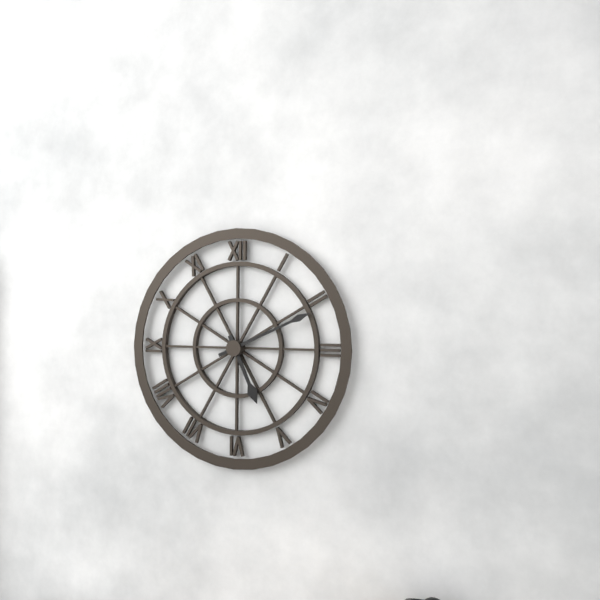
5:11
